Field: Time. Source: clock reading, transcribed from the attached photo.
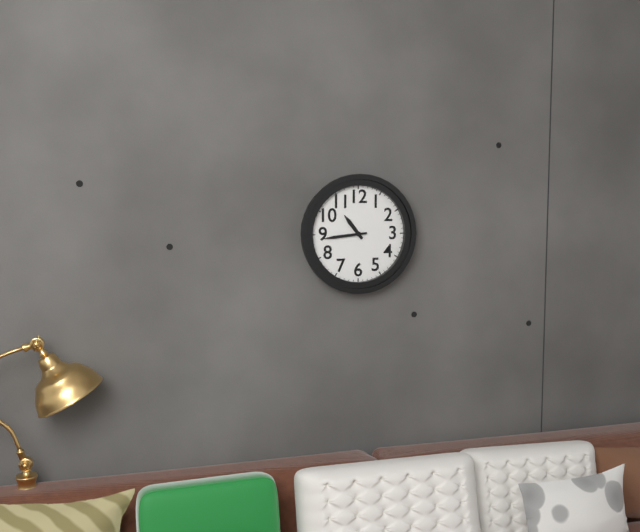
10:44
